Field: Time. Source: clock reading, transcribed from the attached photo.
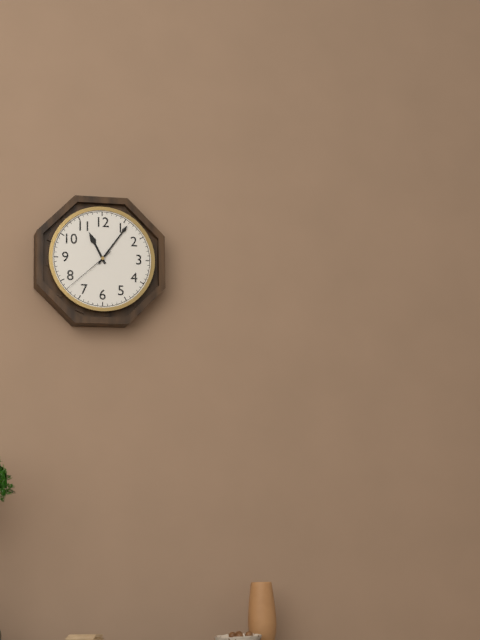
11:06:38
